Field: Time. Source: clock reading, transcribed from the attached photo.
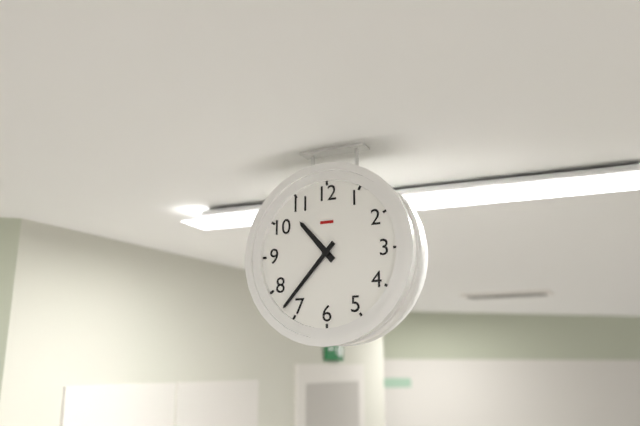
10:37
